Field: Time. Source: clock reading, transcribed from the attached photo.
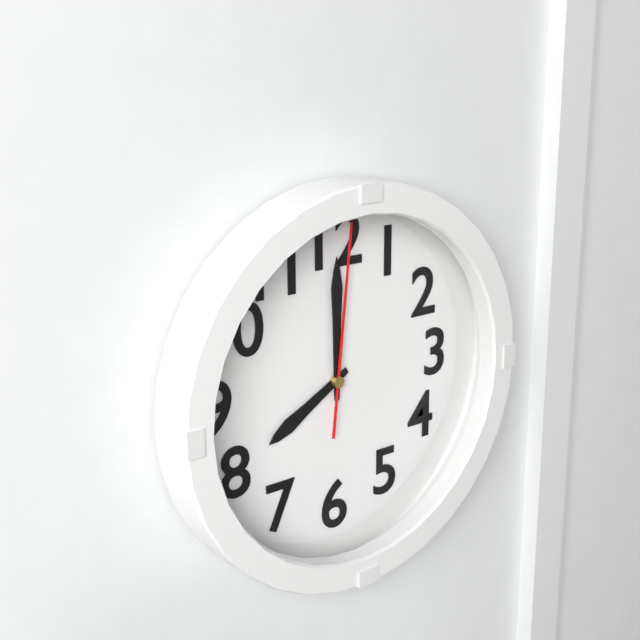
8:00:01
